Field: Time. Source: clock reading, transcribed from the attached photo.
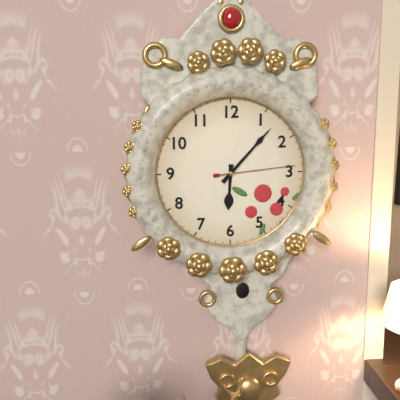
6:07:14
